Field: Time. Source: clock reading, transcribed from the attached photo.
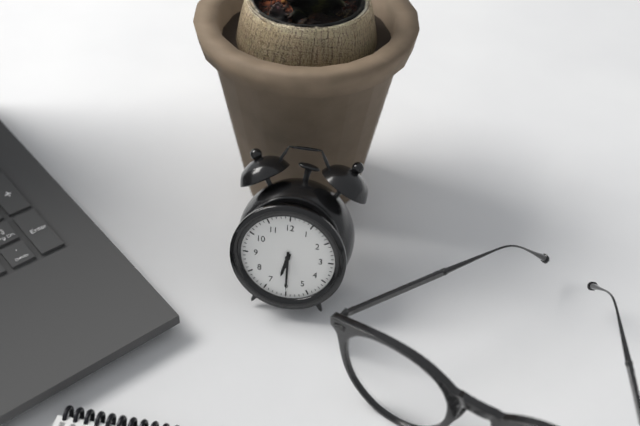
6:30
